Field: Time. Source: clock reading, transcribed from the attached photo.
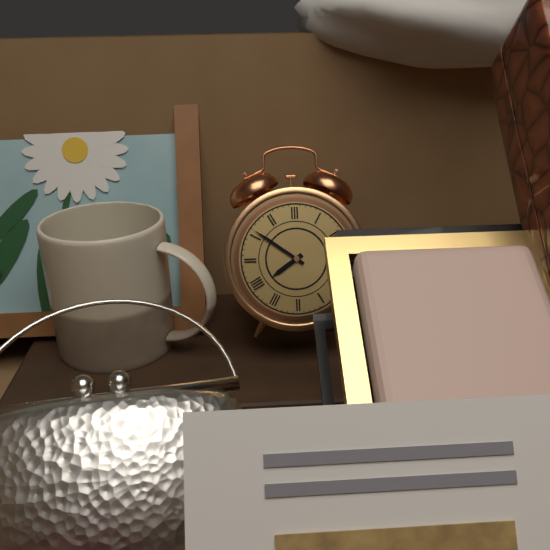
7:51
